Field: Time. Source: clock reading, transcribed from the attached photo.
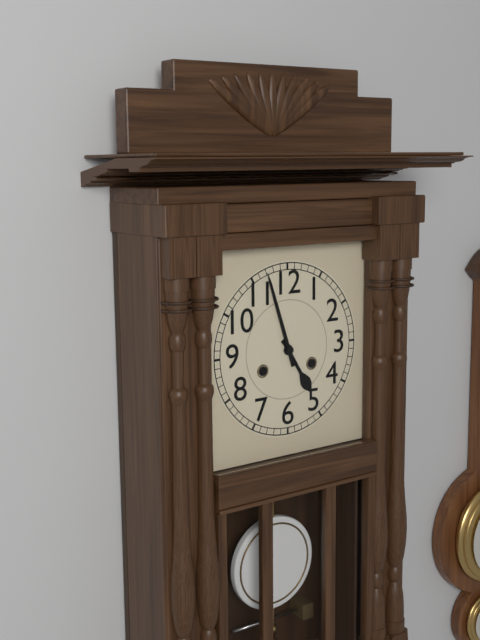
4:57
